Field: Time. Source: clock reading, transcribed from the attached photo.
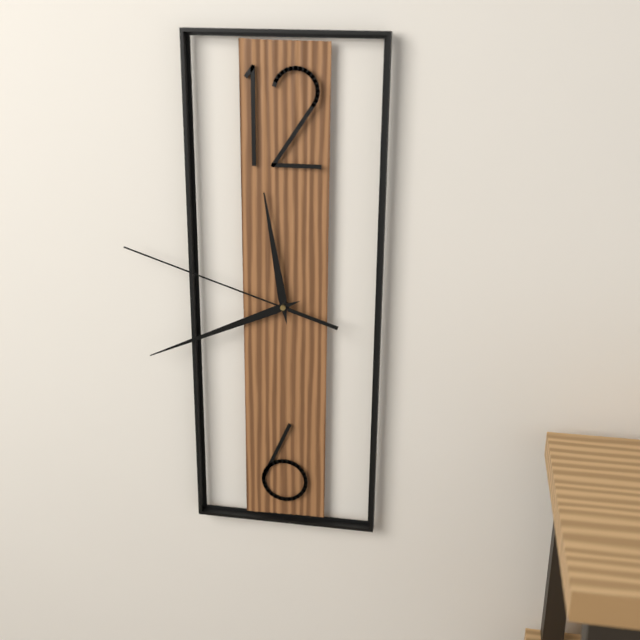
11:41:48
